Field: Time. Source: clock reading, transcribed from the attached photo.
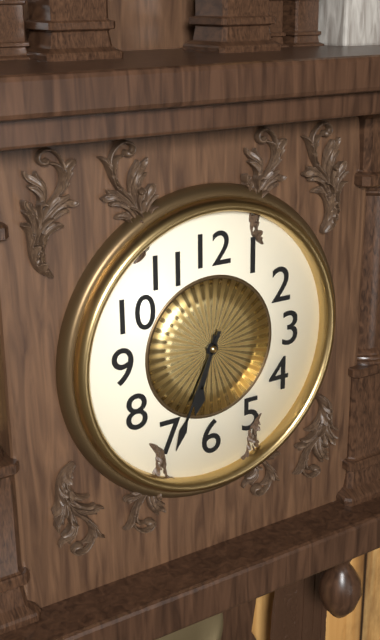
6:34
